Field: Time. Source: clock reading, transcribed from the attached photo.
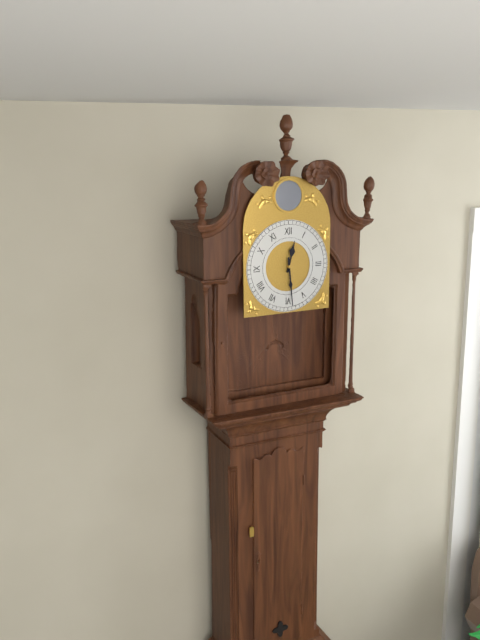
12:29
